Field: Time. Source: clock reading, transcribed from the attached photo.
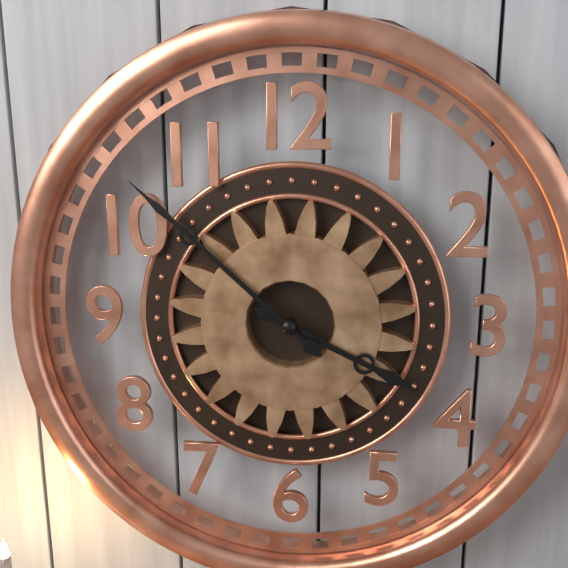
3:52
